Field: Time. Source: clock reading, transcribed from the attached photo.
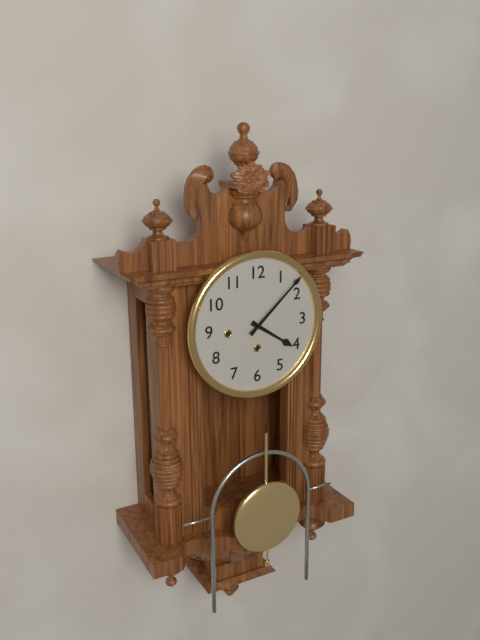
4:08
